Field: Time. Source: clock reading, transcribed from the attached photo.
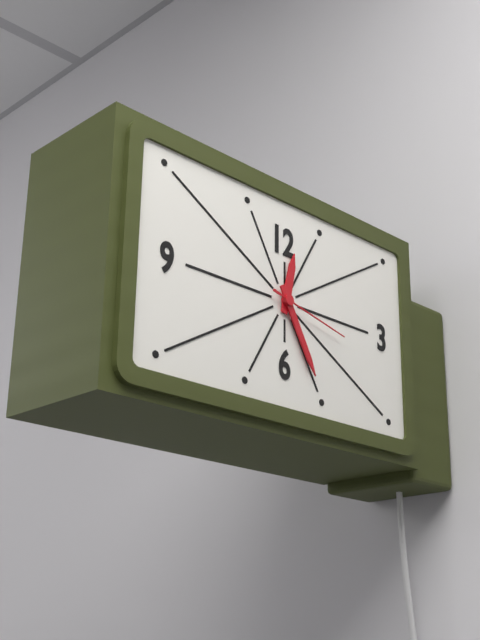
12:25:17
